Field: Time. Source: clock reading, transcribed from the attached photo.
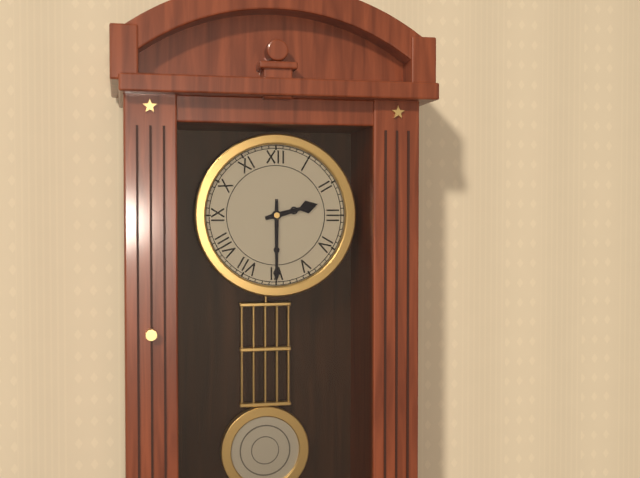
2:30
